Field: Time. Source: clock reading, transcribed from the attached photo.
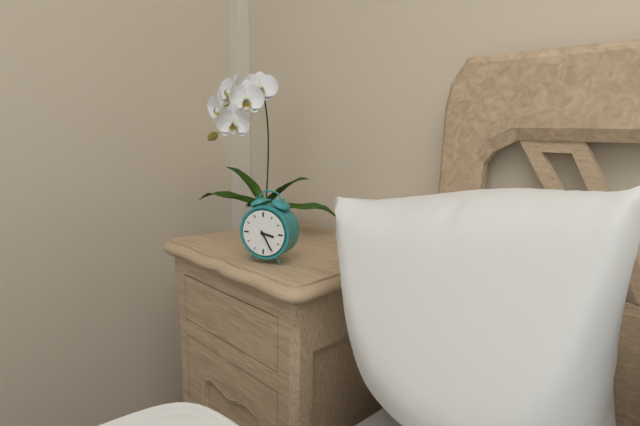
3:25
